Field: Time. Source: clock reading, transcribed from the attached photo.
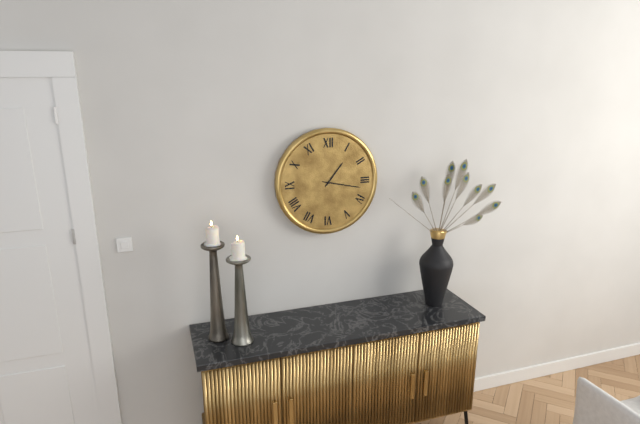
1:17
